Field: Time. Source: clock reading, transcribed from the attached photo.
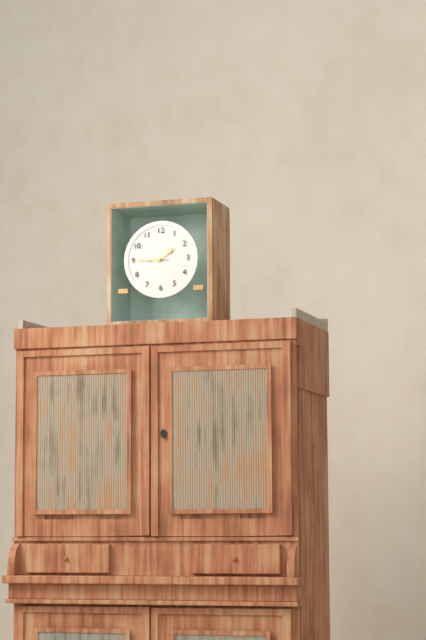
1:45
